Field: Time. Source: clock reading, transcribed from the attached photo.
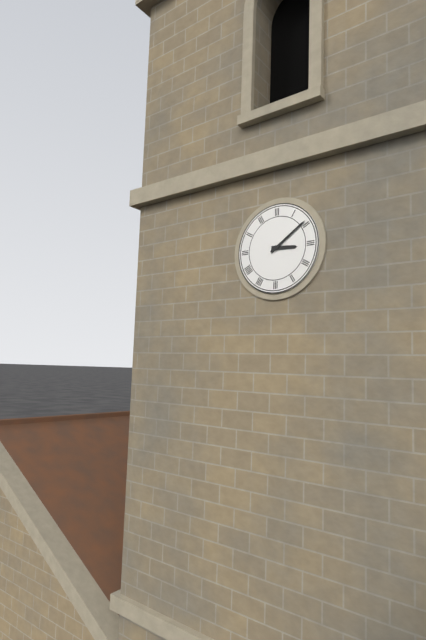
3:09
